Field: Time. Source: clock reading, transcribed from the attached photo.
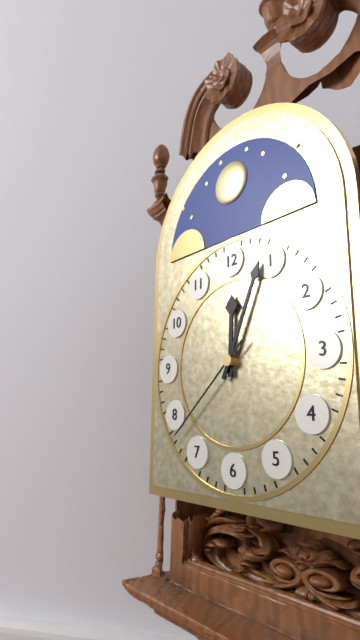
12:04:38
